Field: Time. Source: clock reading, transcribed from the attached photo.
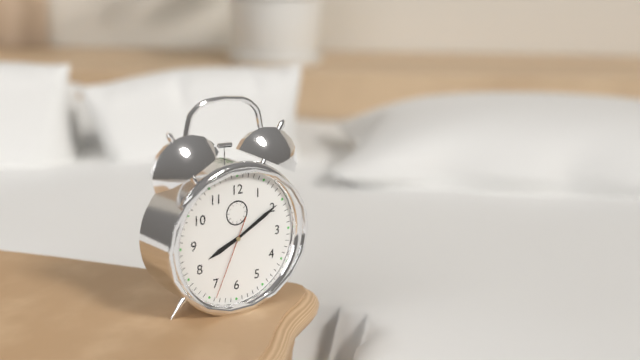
8:10:34
